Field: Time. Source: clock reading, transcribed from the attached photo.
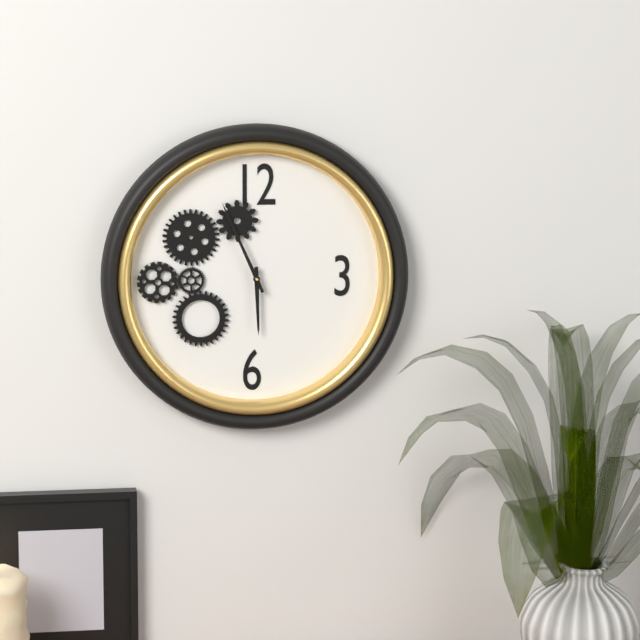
5:56
